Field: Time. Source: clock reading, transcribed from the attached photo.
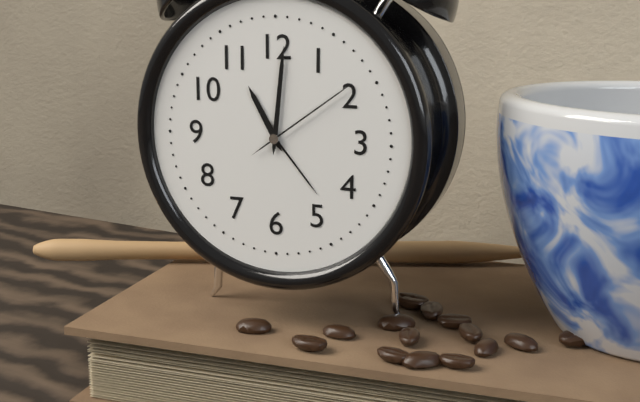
11:01:09
